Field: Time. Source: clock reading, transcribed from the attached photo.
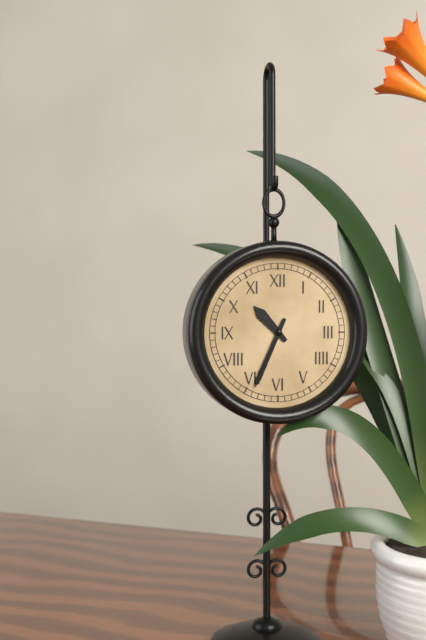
10:34
